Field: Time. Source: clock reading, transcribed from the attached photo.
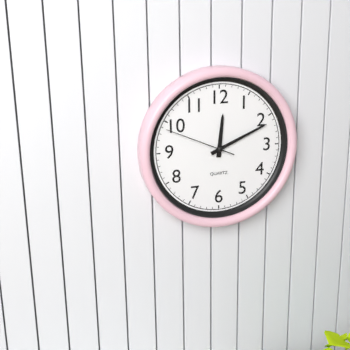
12:11:49
